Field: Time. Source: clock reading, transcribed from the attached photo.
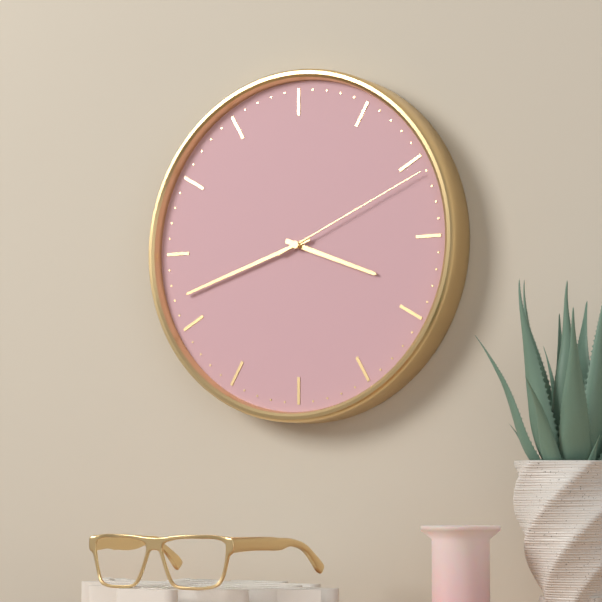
3:42:11
